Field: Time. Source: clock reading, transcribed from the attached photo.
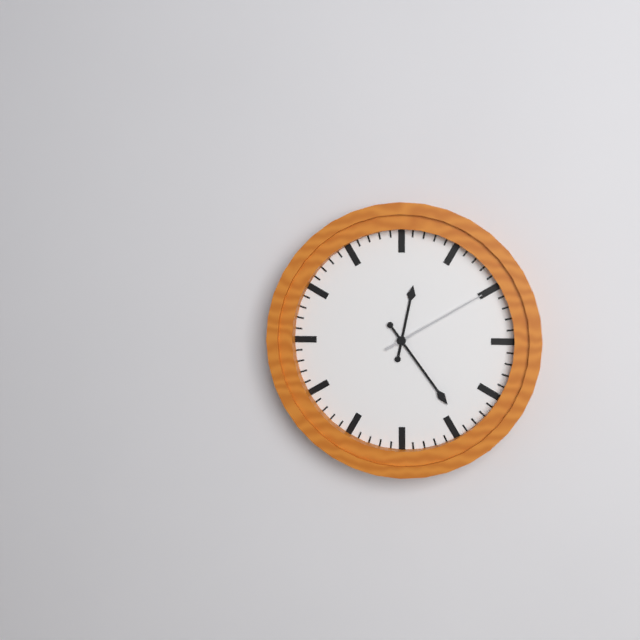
12:24:10
